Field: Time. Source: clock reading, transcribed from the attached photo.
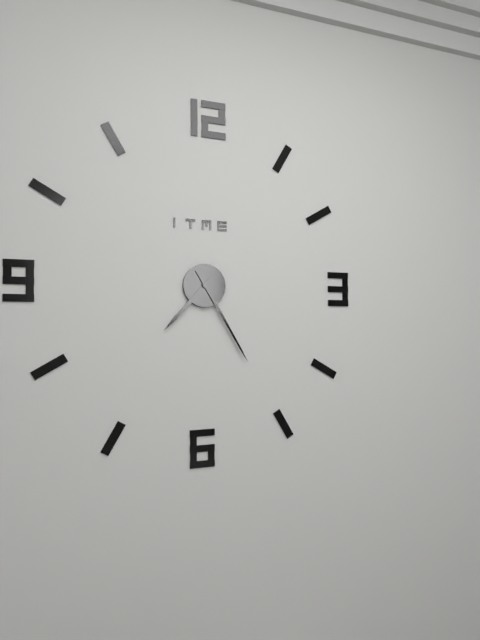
7:25
